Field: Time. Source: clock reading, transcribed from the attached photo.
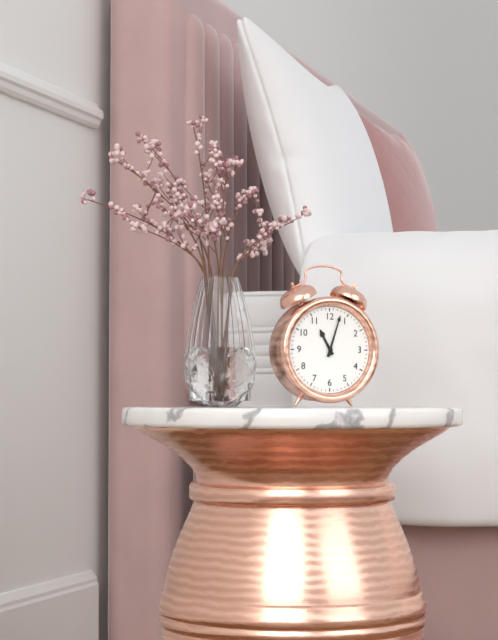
11:03
